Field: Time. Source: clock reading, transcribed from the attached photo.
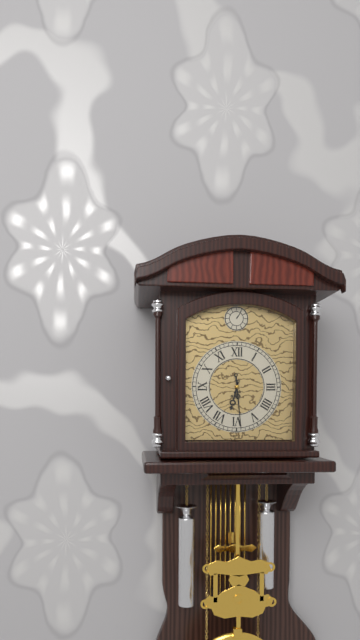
6:29
